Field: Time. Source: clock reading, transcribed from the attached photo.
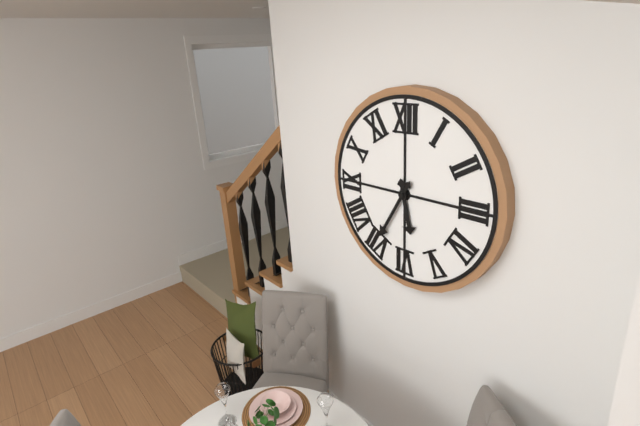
5:35
